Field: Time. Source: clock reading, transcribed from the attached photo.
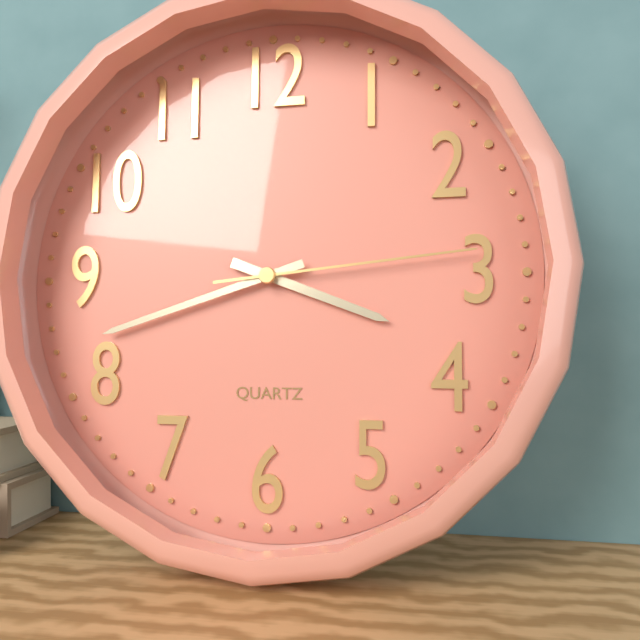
3:42:14
